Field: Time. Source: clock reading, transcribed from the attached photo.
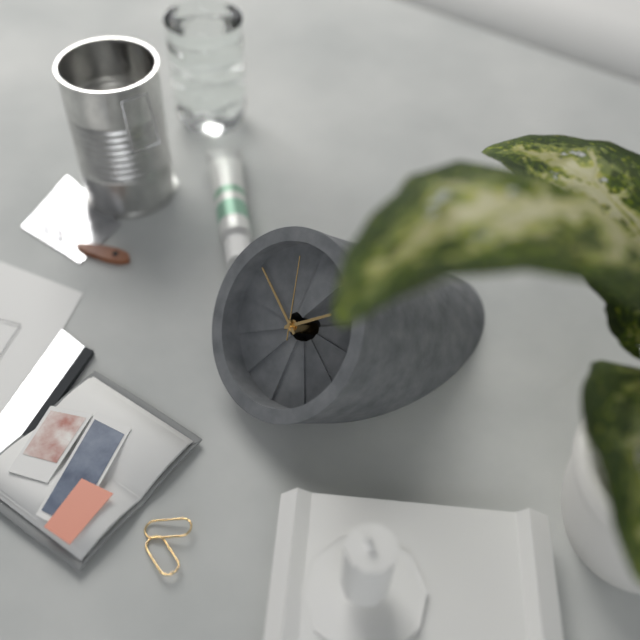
12:45:52
